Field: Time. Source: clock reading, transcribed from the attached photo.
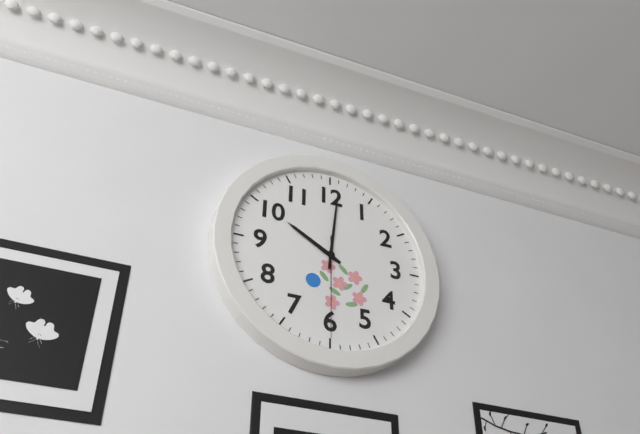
10:01:30
